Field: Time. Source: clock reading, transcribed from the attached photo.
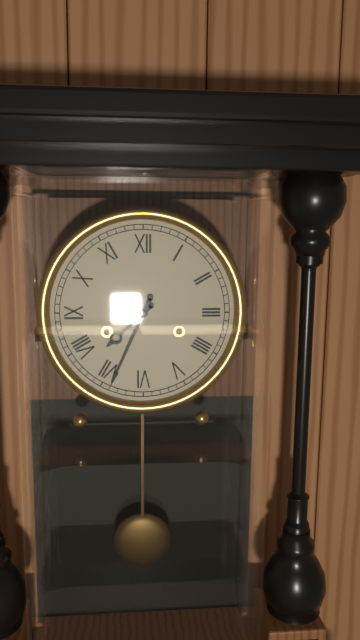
7:34
